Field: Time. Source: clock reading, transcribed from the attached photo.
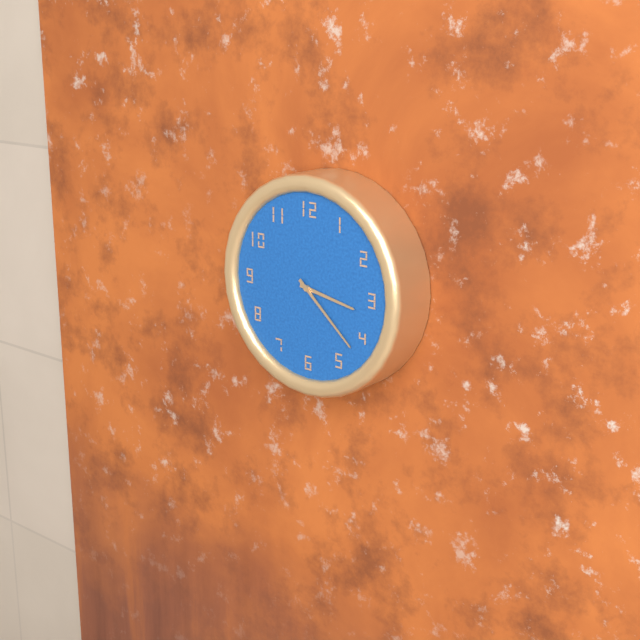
3:22
